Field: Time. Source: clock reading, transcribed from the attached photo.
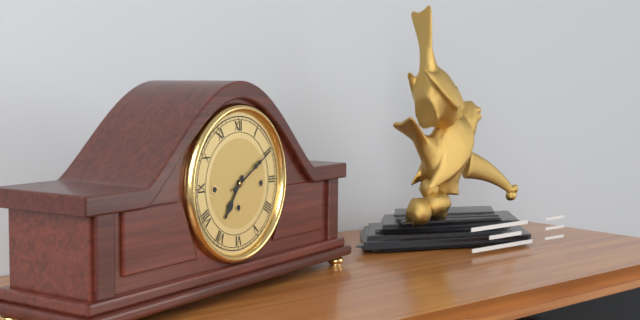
7:10
